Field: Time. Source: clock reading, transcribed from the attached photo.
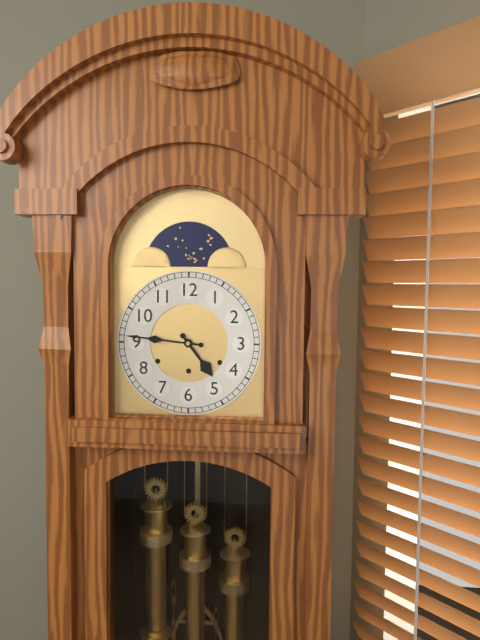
4:46
